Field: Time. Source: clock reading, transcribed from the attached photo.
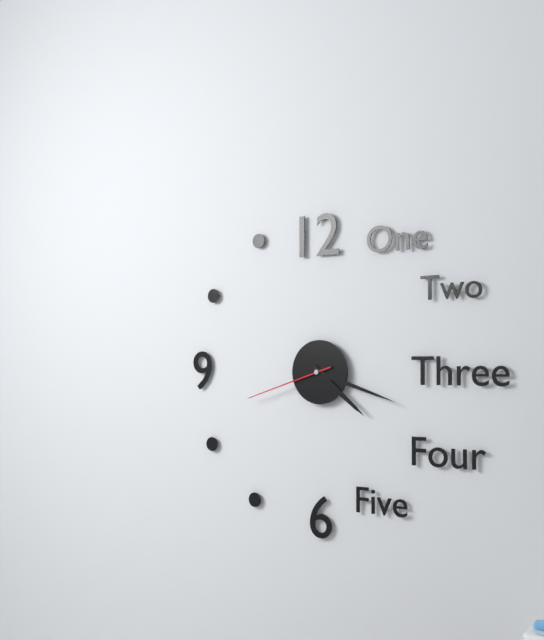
4:18:42
